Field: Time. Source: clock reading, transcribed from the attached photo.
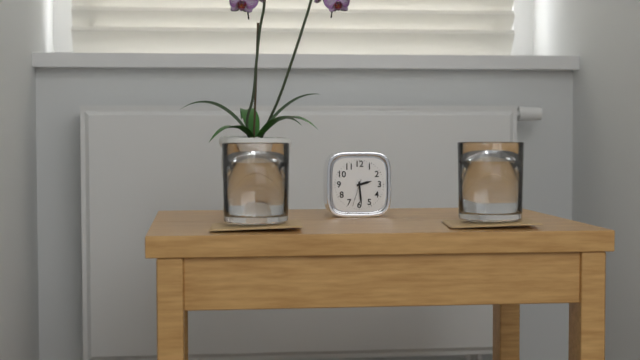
2:29
